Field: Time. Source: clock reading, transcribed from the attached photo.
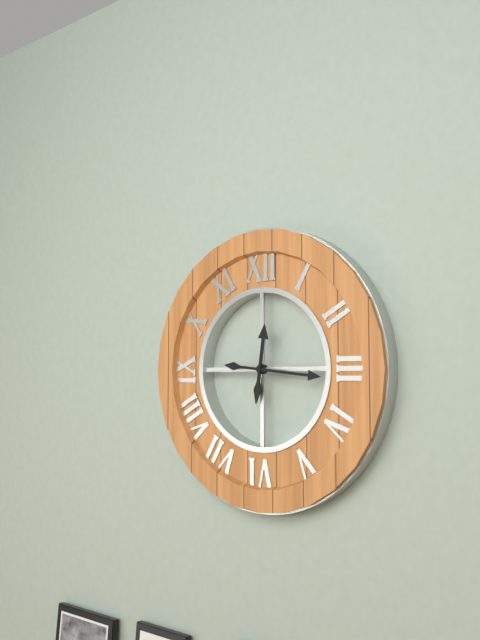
12:16
